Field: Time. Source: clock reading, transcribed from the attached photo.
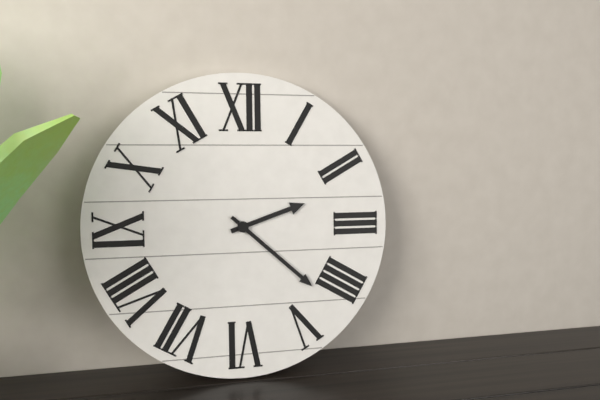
2:22
